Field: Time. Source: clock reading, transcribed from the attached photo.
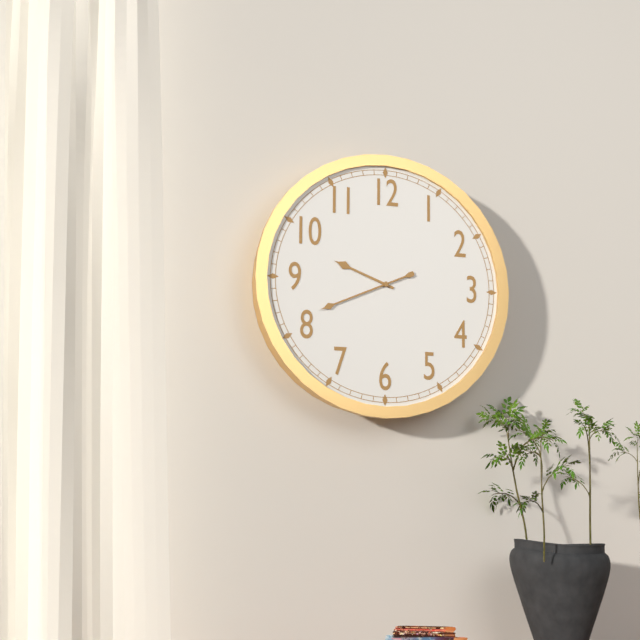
9:41
